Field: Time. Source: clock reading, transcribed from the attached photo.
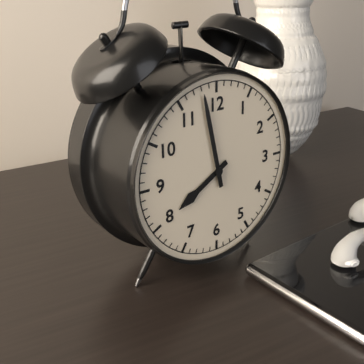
7:58
